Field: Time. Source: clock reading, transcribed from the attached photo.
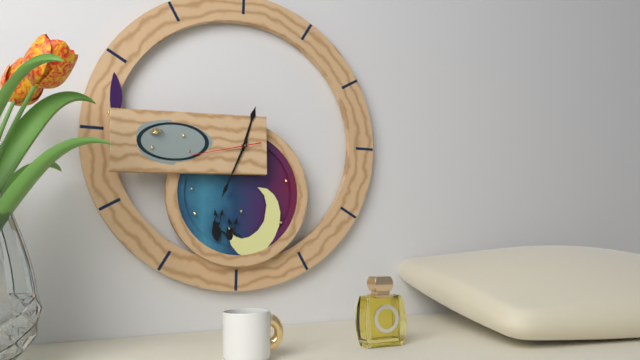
12:34:43
